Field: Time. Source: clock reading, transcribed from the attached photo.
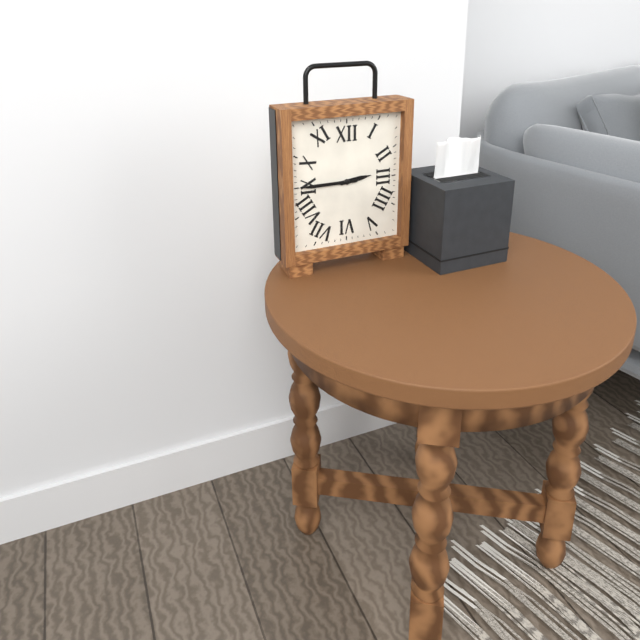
2:45
